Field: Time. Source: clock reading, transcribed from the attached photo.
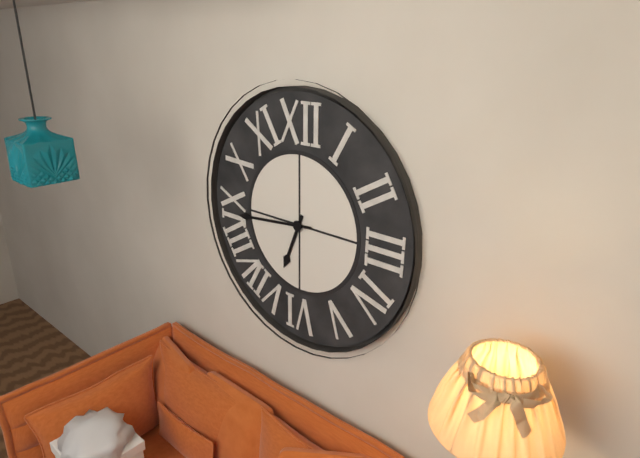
6:44
